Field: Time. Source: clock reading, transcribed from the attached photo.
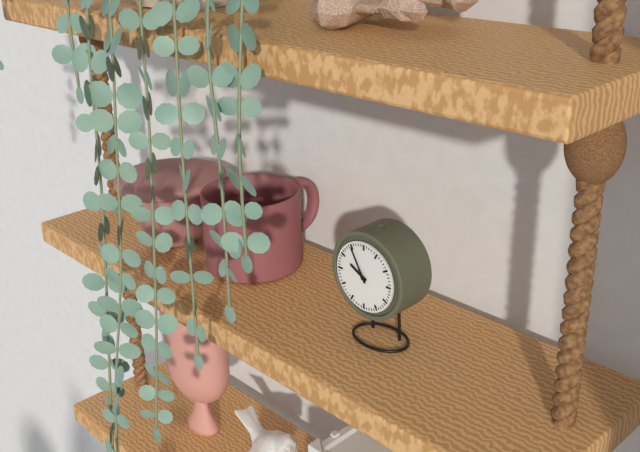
9:55
